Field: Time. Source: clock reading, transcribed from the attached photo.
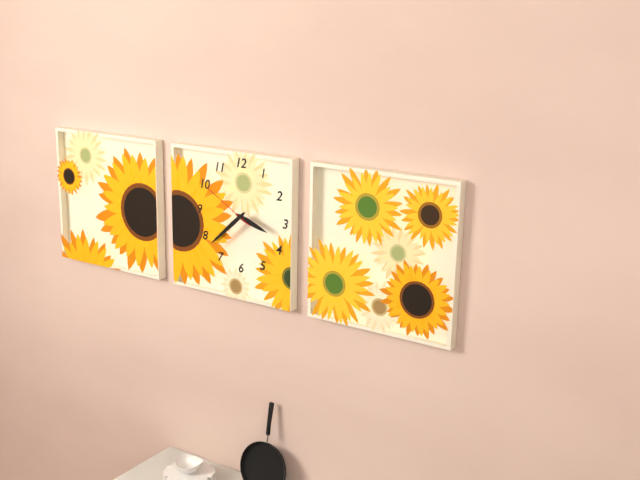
3:38:50
